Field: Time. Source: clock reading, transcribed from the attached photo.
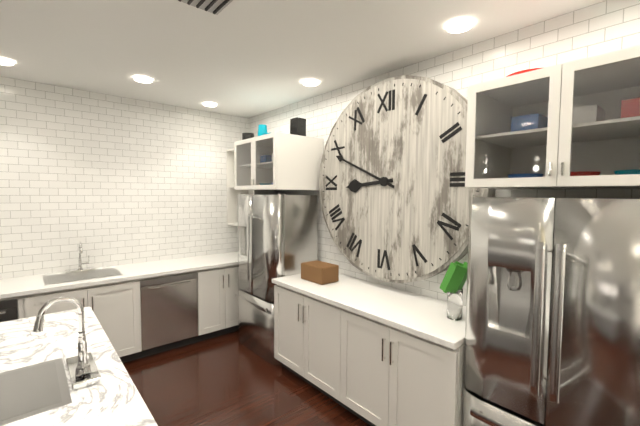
8:49
